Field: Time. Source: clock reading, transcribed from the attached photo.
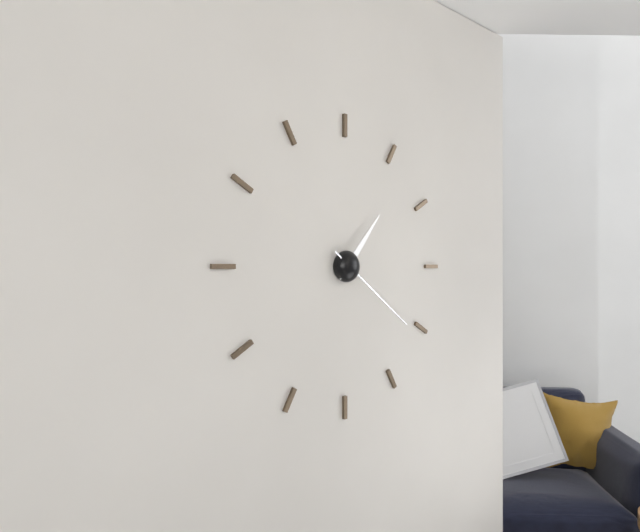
1:21
